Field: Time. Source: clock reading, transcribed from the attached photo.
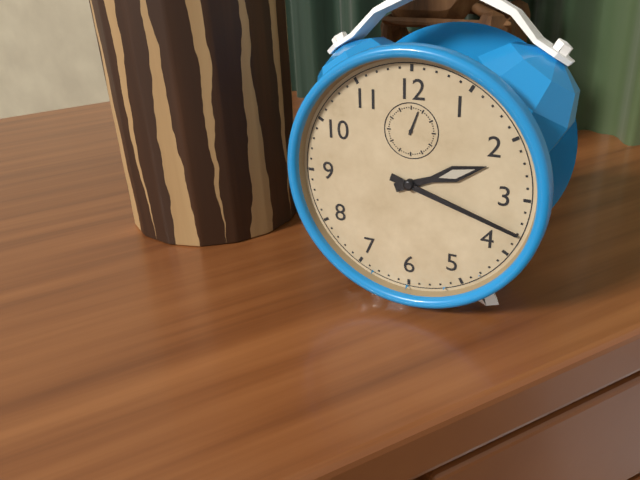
2:18
